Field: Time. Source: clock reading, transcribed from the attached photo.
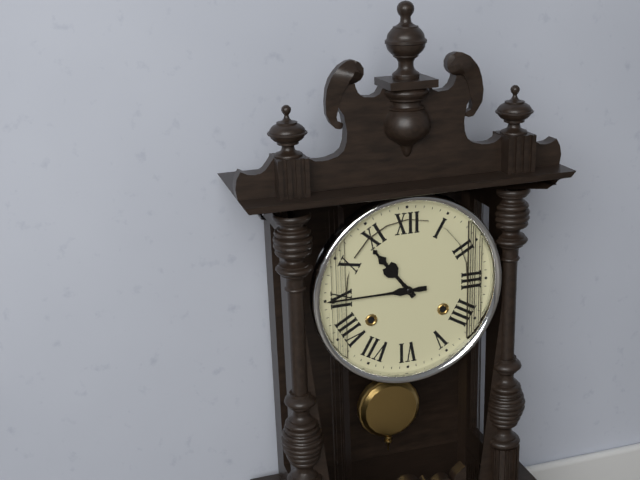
10:45
